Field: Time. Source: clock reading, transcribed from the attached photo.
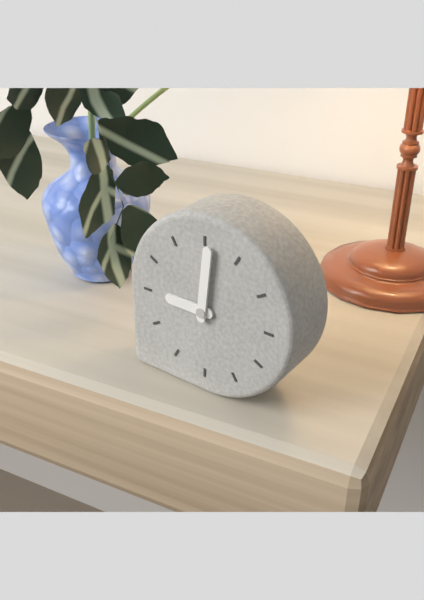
9:01
